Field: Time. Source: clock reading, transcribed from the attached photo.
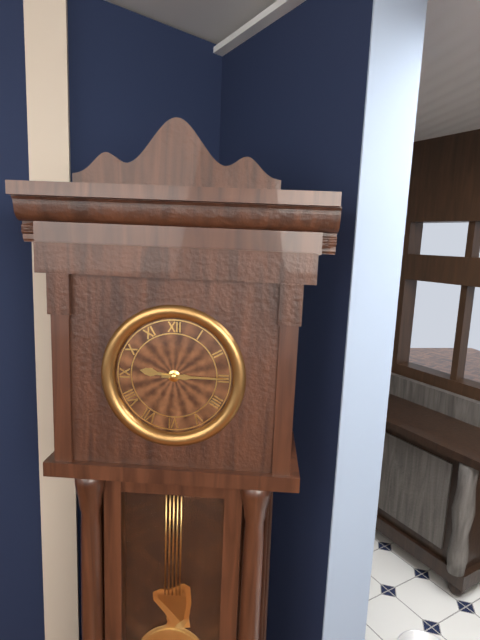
9:15
